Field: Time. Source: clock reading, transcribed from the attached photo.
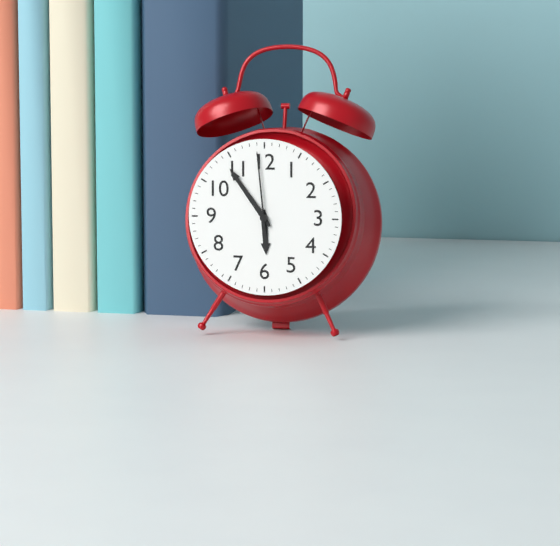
5:54:59
